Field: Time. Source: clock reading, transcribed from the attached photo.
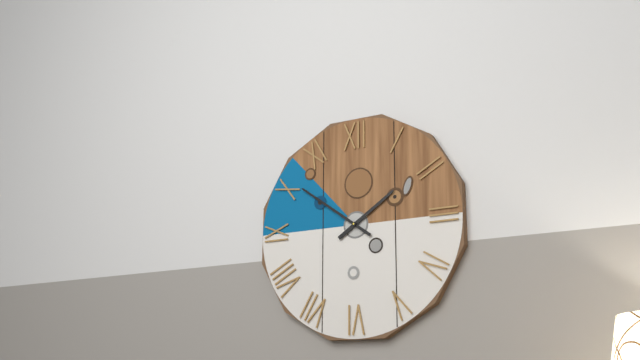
1:51
